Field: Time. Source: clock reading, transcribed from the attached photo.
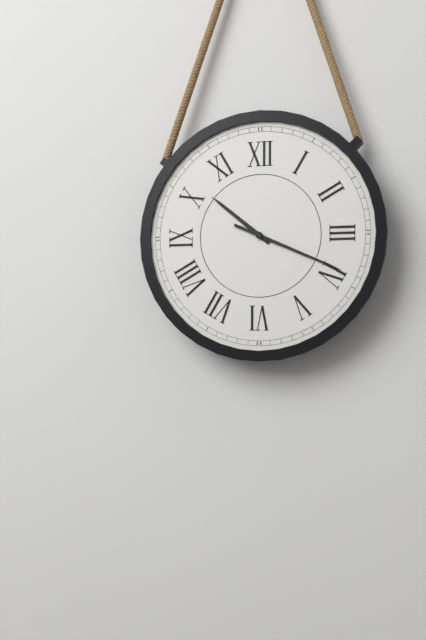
10:19
